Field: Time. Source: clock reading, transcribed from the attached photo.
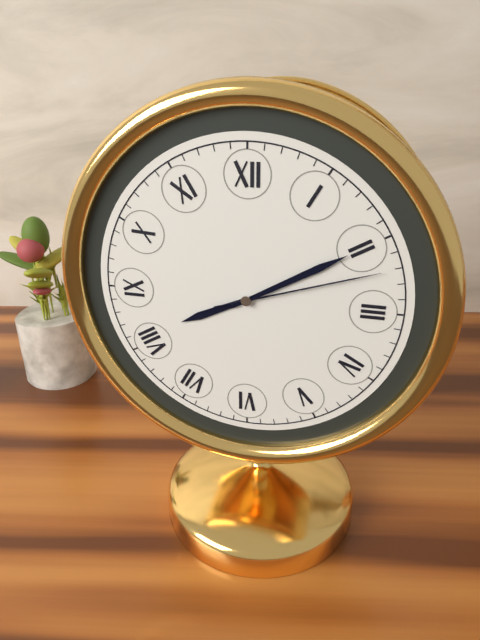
8:10:12
